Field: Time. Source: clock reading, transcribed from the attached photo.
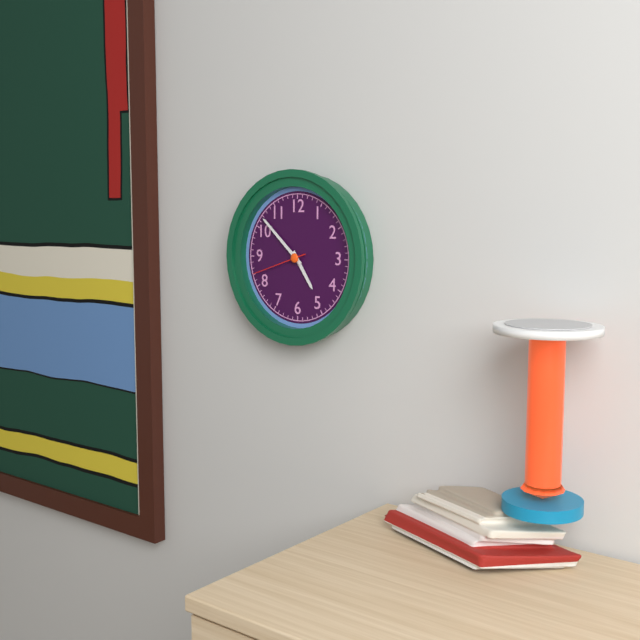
4:52:42
